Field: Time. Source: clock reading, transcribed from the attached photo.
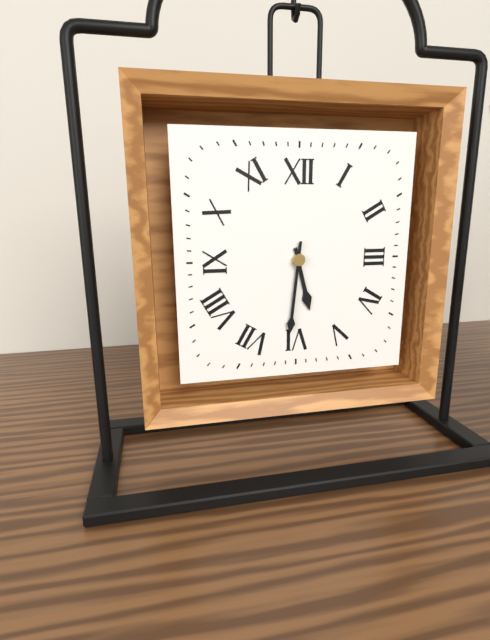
5:31
